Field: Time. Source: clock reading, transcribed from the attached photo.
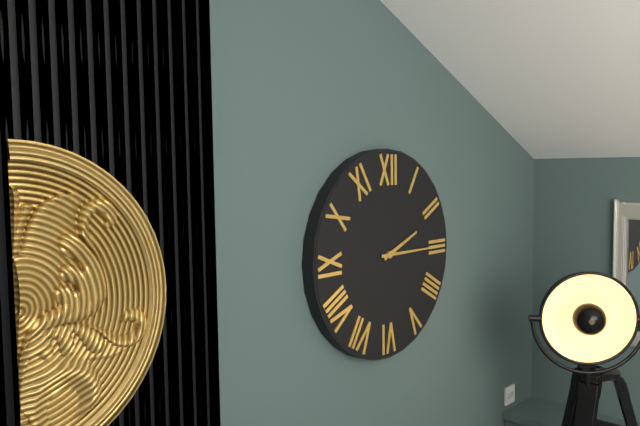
2:15
